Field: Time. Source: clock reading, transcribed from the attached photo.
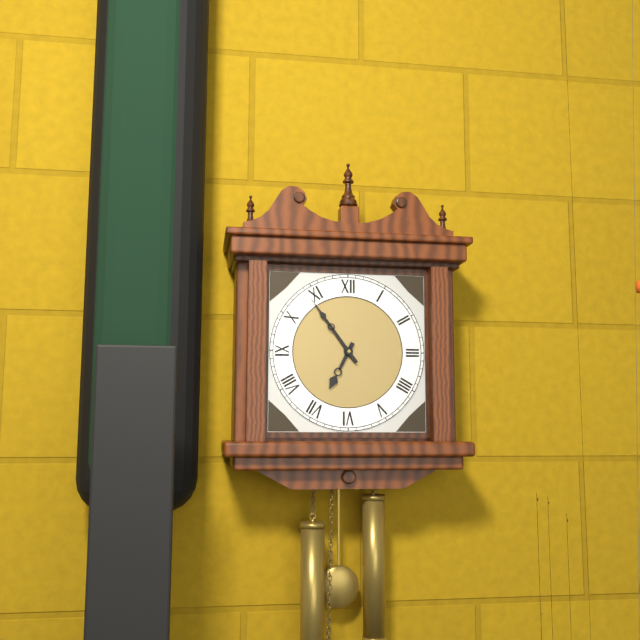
6:54
